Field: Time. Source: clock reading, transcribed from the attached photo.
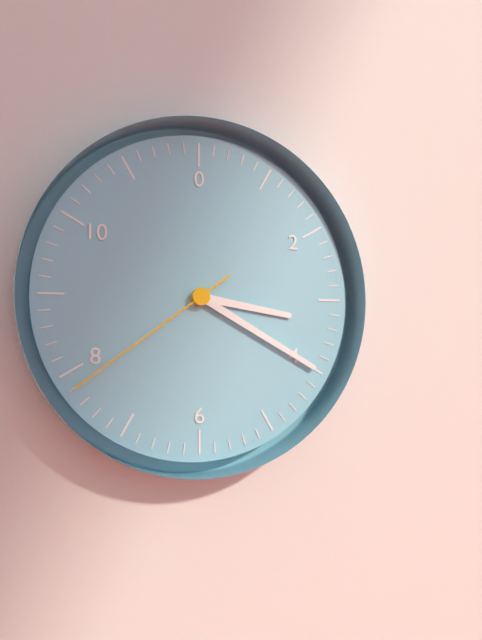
3:20:39
